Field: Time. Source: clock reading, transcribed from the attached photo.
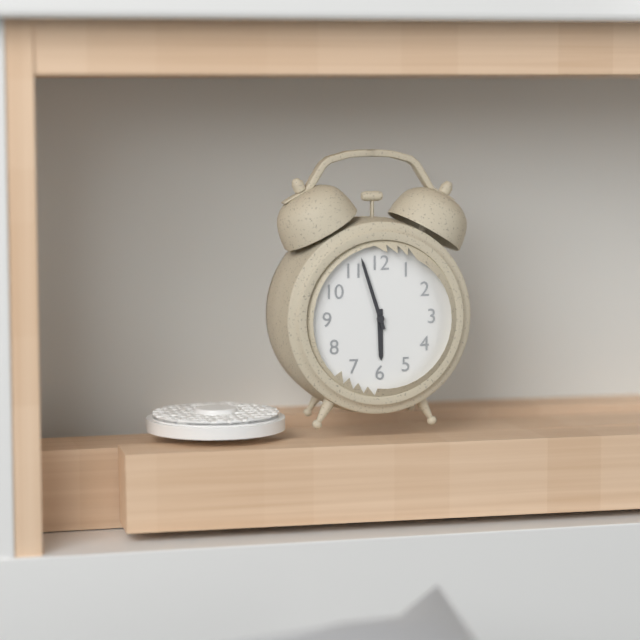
5:57
